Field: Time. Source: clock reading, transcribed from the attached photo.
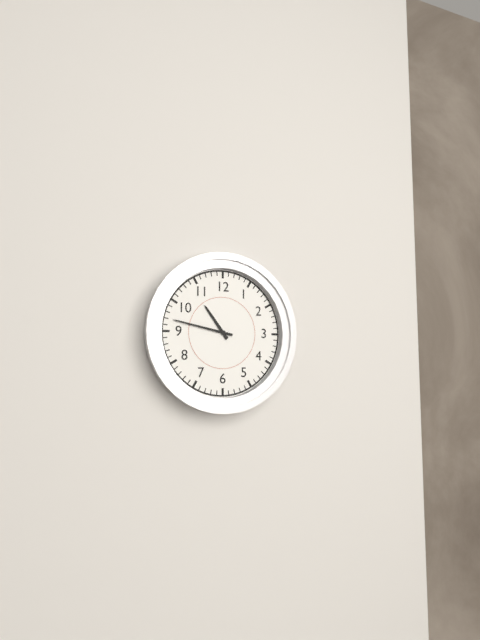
10:47
